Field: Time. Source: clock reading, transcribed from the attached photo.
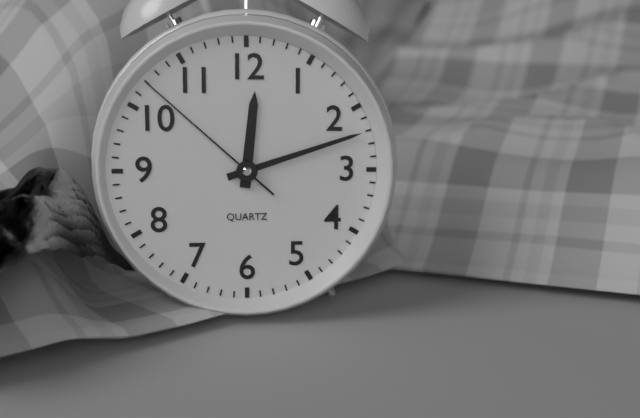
12:12:52
